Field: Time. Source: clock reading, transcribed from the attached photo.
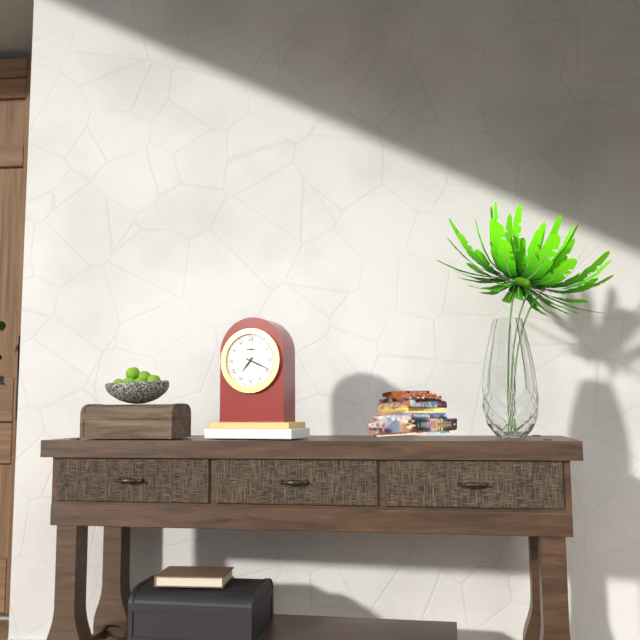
7:19
